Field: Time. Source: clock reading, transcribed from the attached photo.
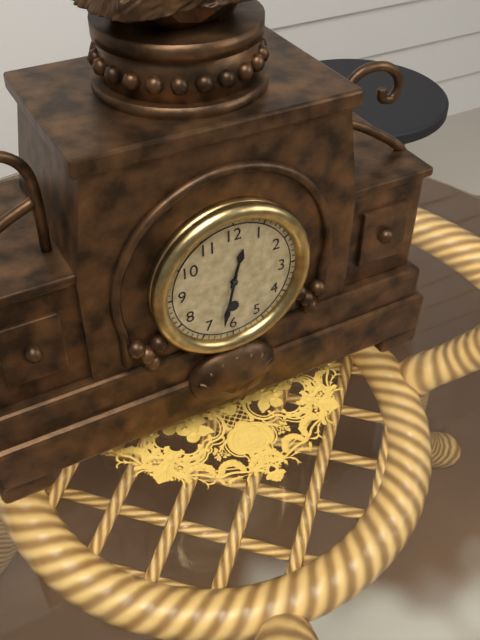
12:32
